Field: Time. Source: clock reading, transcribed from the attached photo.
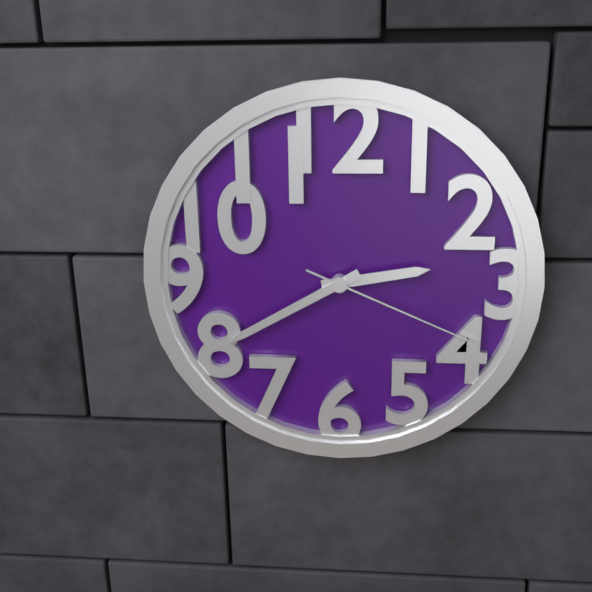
2:40:19
